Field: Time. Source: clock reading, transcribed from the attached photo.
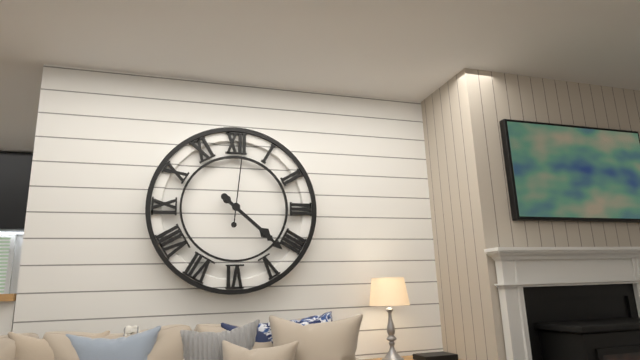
4:22:01
